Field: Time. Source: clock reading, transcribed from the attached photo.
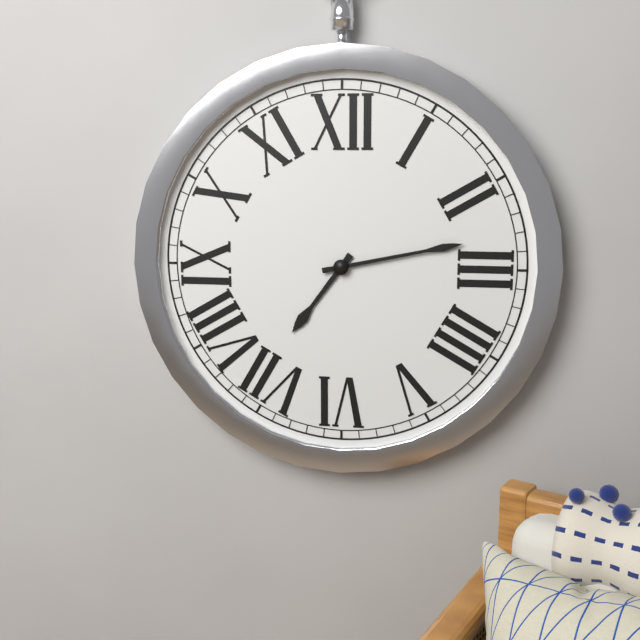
7:13
